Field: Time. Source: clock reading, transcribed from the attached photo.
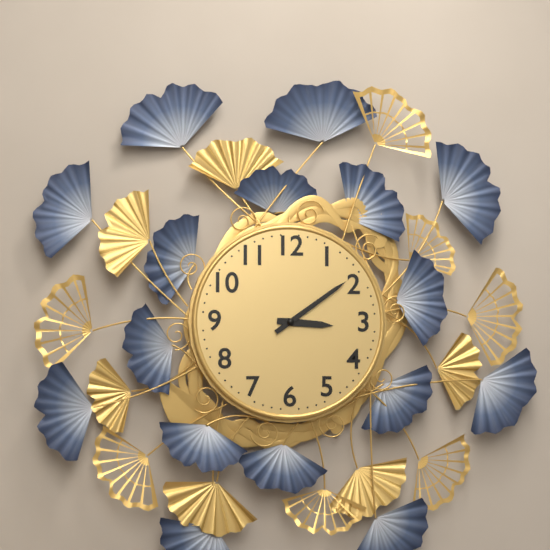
3:09
